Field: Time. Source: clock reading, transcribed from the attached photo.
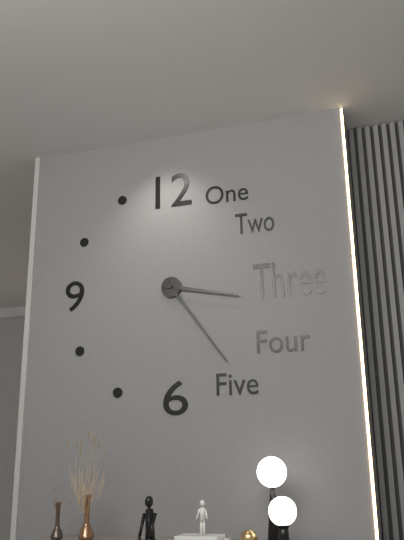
3:24
